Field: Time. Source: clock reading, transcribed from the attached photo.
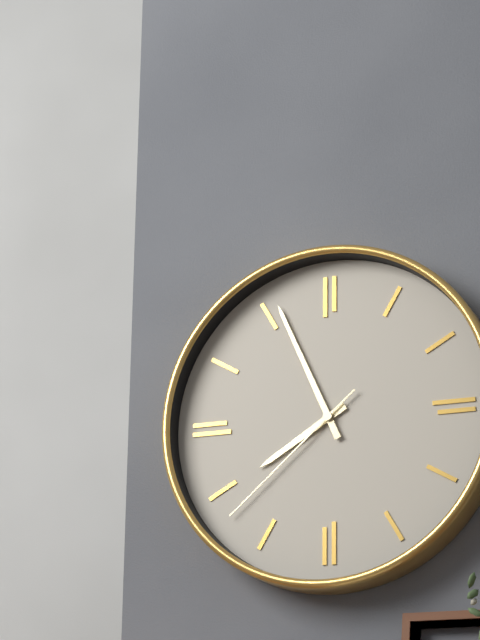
7:56:38
